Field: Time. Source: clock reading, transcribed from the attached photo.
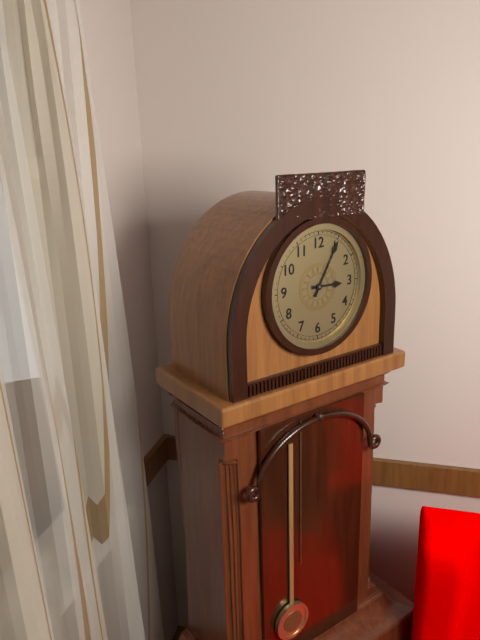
3:05
